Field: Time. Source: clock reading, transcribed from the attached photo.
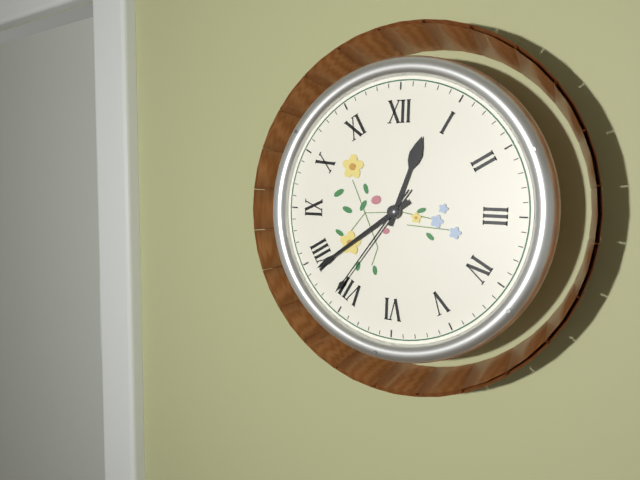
12:39:36
